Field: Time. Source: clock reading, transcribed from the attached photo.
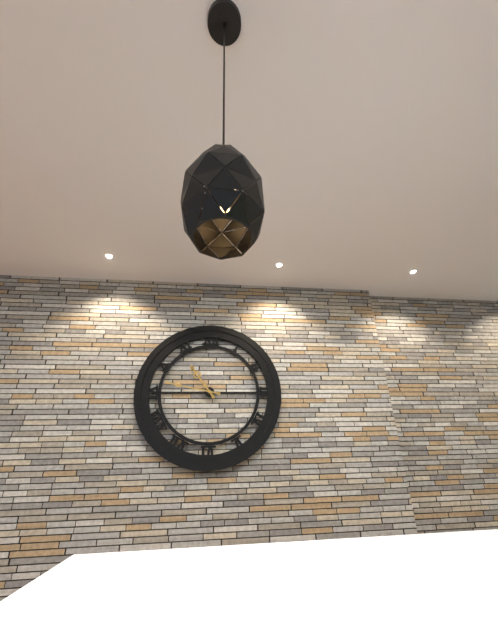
10:47
